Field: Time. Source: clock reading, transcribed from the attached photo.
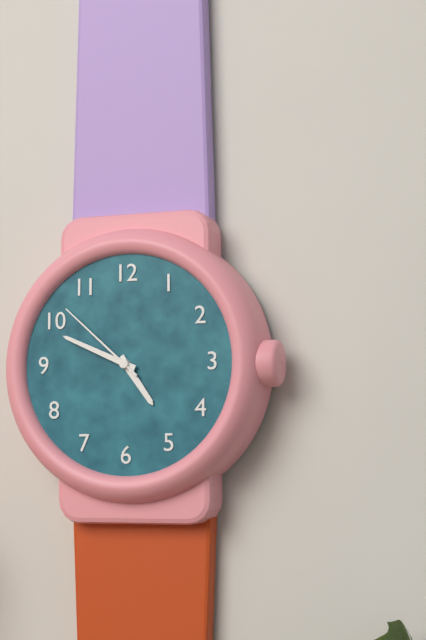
4:49:52
